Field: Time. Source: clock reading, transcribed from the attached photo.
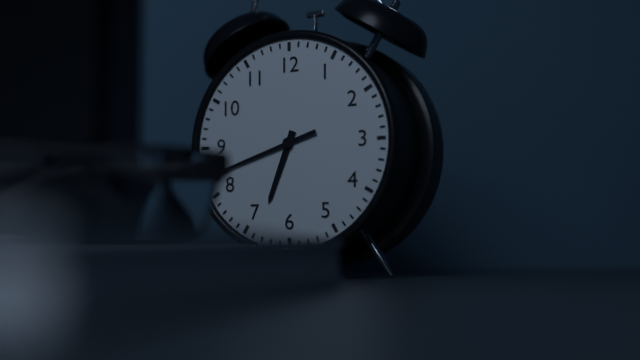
6:42
